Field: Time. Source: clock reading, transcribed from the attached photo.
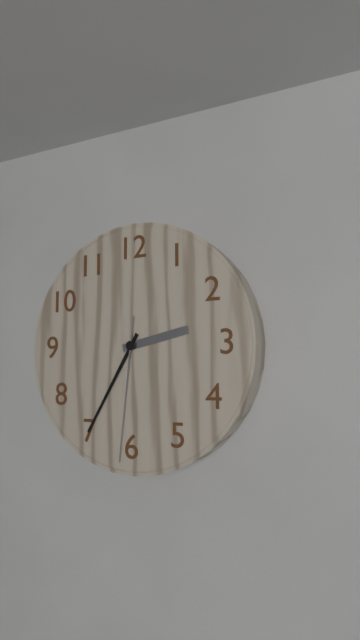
2:35:31
